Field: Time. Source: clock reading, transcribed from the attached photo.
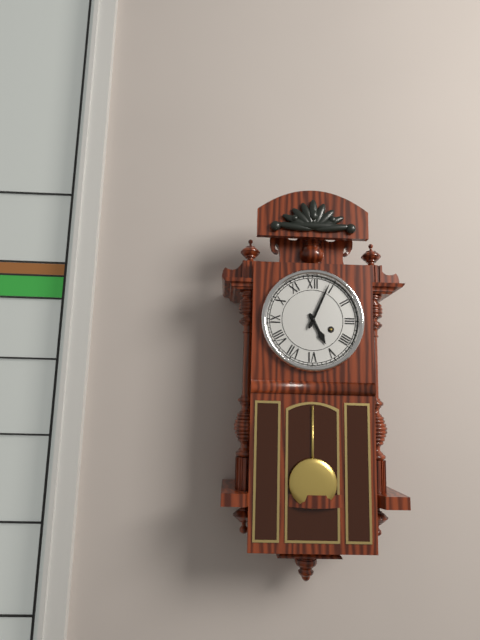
5:04
